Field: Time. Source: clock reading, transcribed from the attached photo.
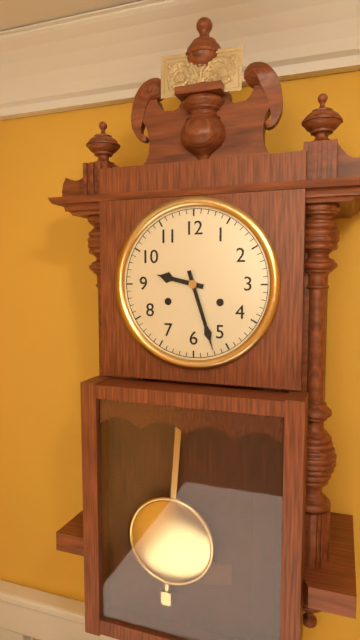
9:27
